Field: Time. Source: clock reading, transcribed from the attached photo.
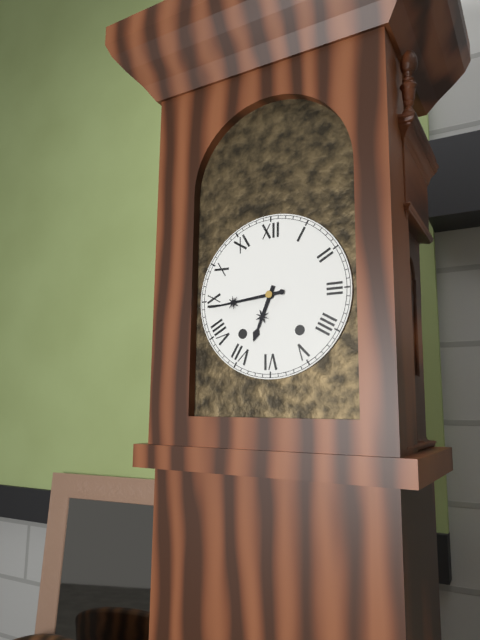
6:44
